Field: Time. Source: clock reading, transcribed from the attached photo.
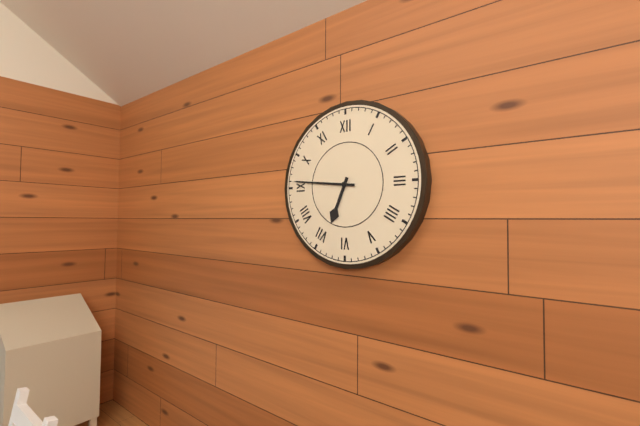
6:46
